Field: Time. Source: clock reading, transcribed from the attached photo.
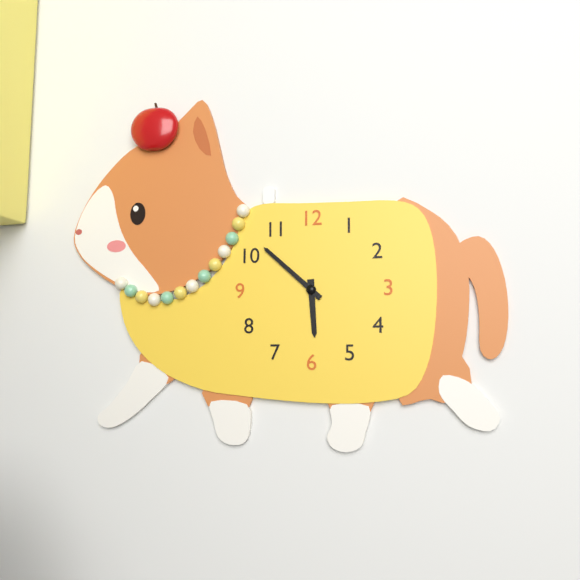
5:52
